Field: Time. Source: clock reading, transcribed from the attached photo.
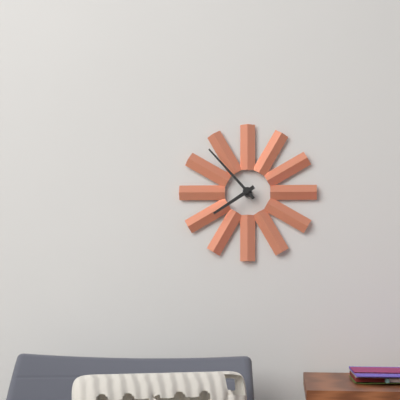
7:53
